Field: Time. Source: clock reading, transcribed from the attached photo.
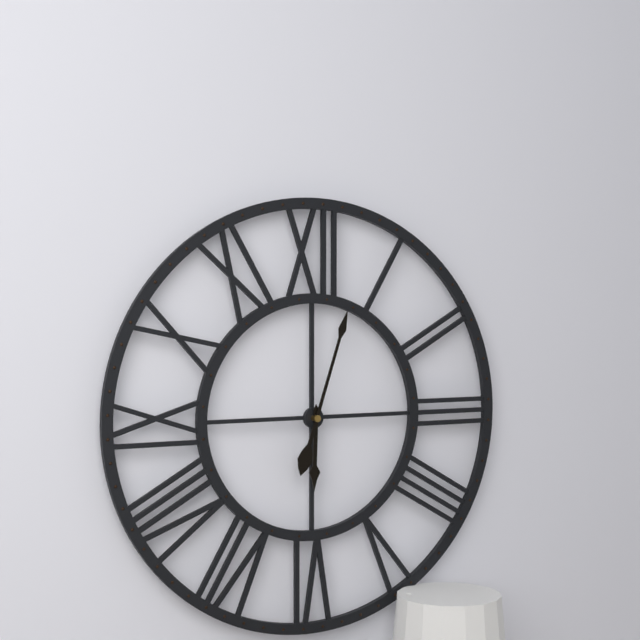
6:03
